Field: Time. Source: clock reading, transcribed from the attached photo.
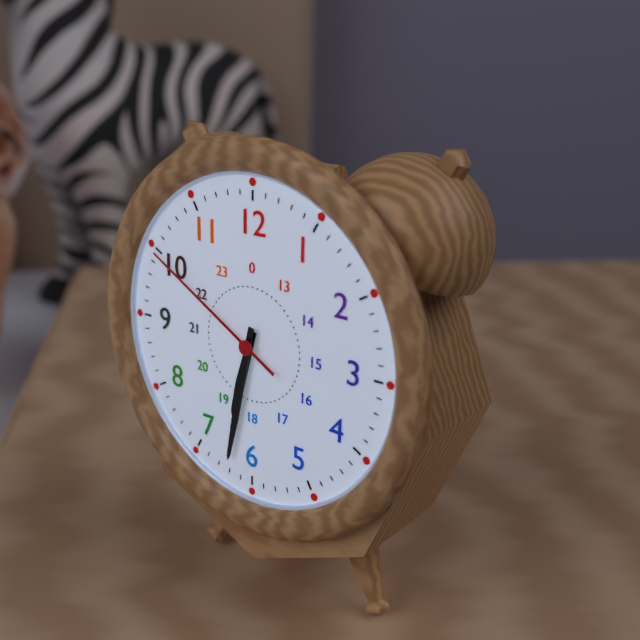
6:32:50
